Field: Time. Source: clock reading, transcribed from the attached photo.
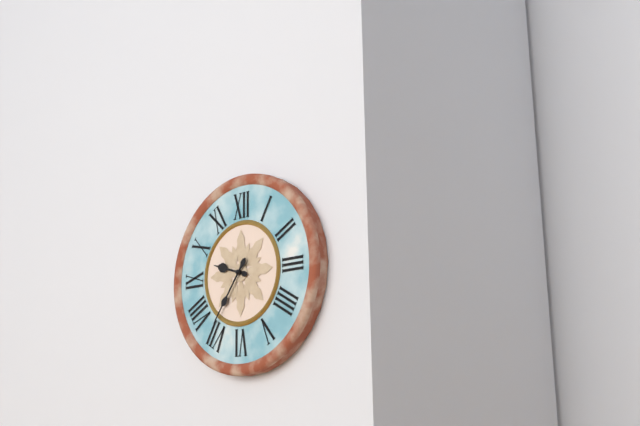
9:36
